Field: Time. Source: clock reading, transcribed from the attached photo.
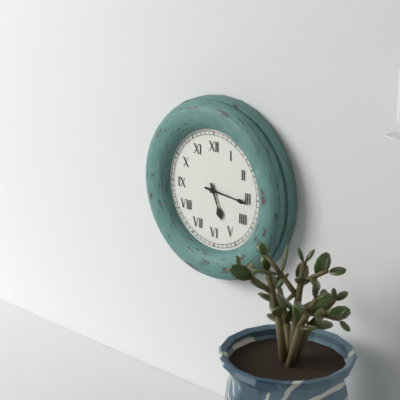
5:16
